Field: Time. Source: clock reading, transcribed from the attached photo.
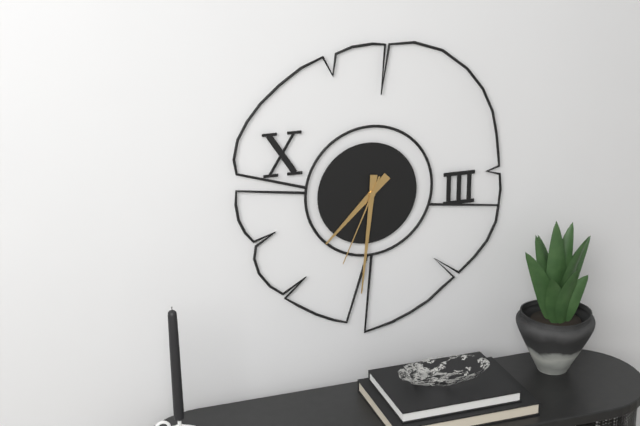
7:31:34
